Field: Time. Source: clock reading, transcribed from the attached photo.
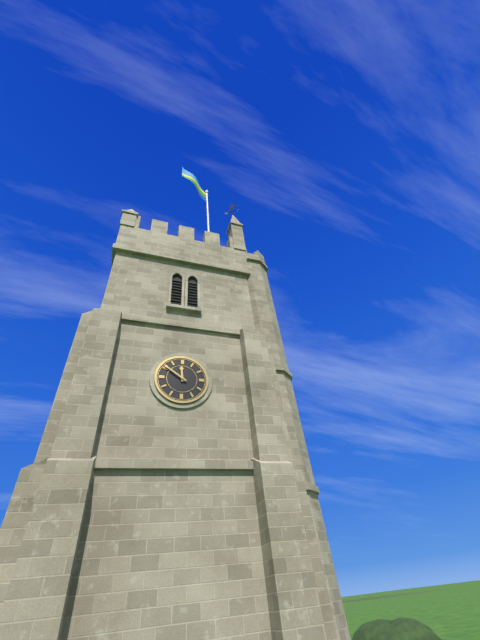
11:51
